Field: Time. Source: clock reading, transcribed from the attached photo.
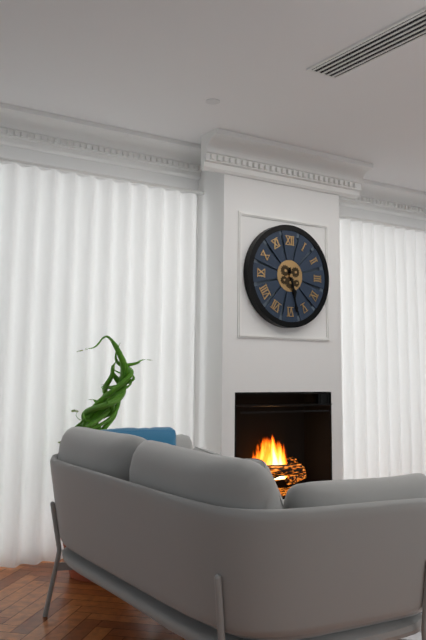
5:28
